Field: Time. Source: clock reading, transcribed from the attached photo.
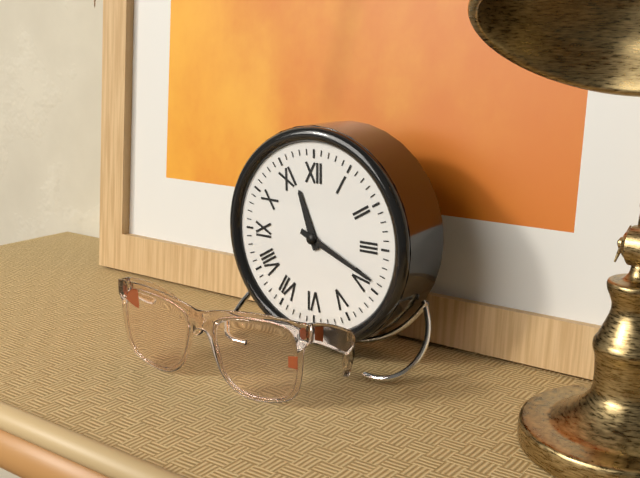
11:19
